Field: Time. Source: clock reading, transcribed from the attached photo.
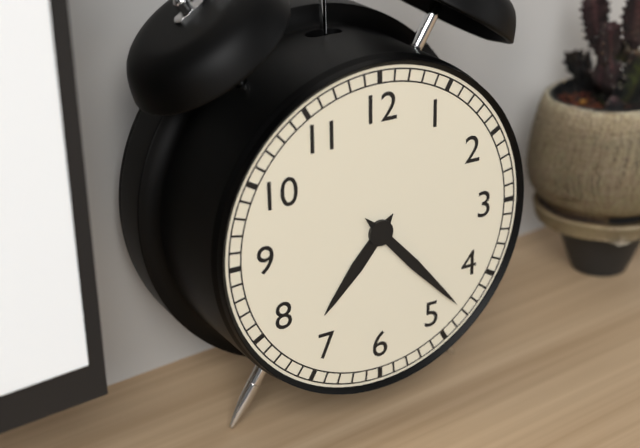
7:23
